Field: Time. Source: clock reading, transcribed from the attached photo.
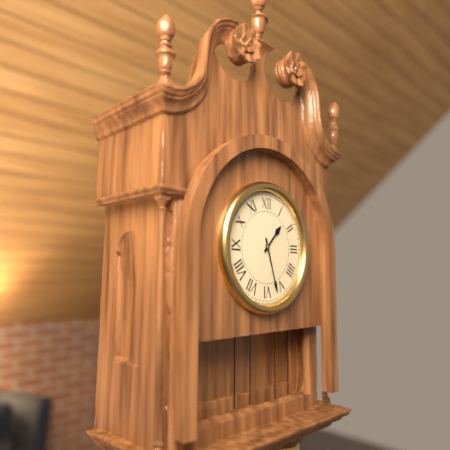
1:27
